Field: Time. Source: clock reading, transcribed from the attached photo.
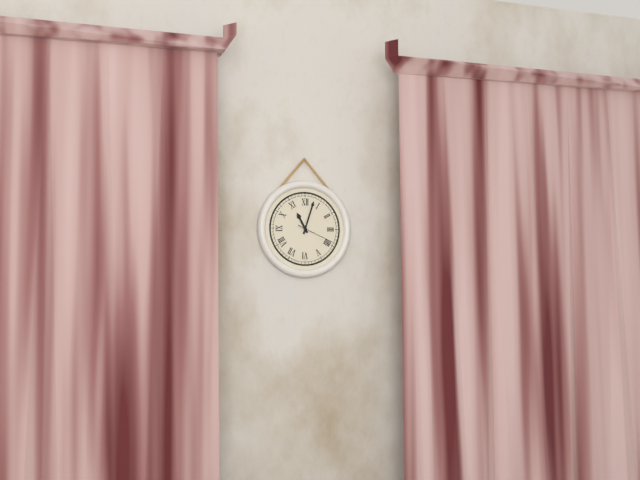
11:03
